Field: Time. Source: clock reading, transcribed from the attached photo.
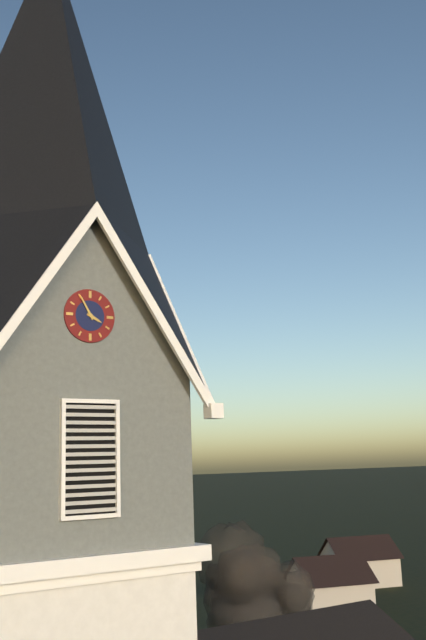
3:55
